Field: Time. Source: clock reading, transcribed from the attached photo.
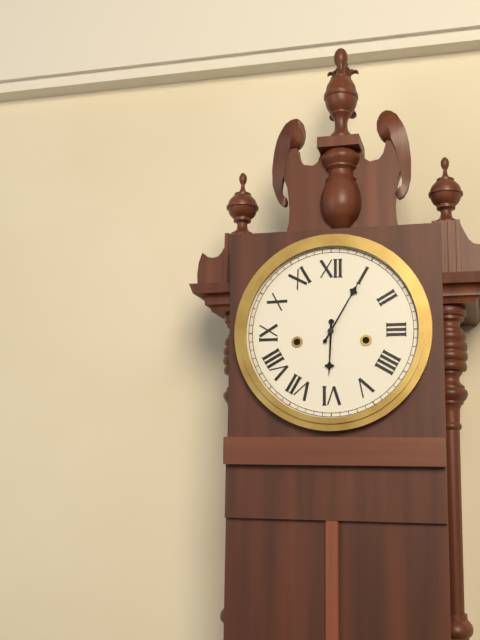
6:05
